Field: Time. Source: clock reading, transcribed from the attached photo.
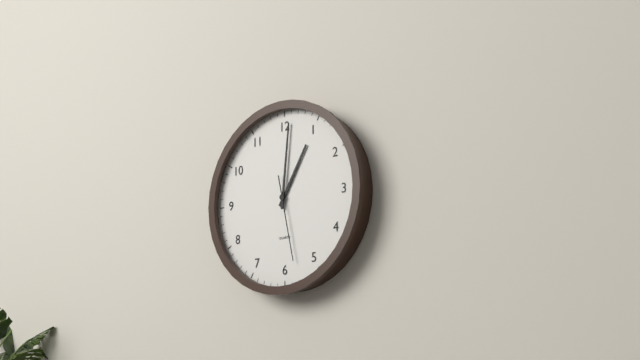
1:01:28
